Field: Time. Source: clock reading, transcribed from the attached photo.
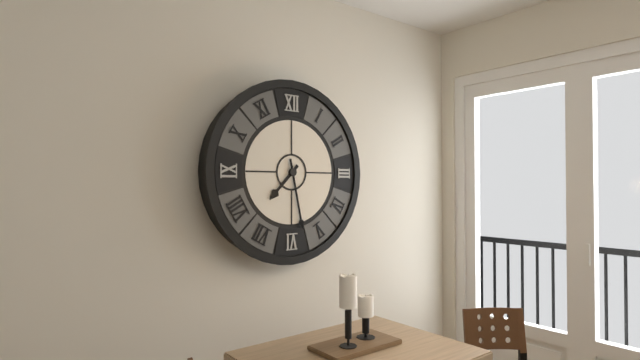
7:28
